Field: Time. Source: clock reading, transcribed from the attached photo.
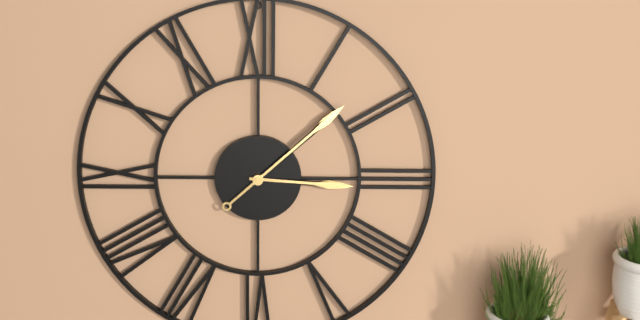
3:08
